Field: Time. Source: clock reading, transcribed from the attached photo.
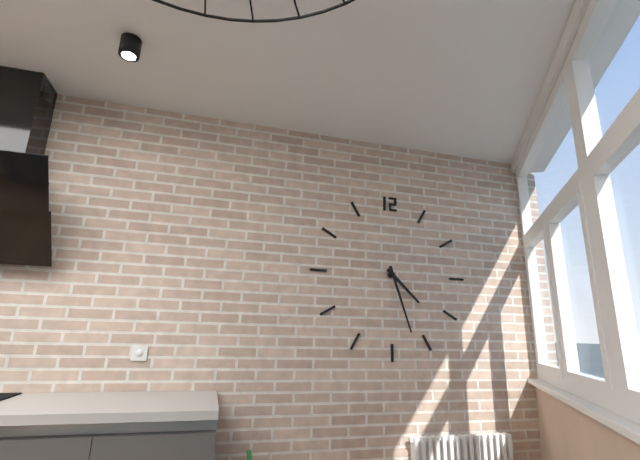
4:27
